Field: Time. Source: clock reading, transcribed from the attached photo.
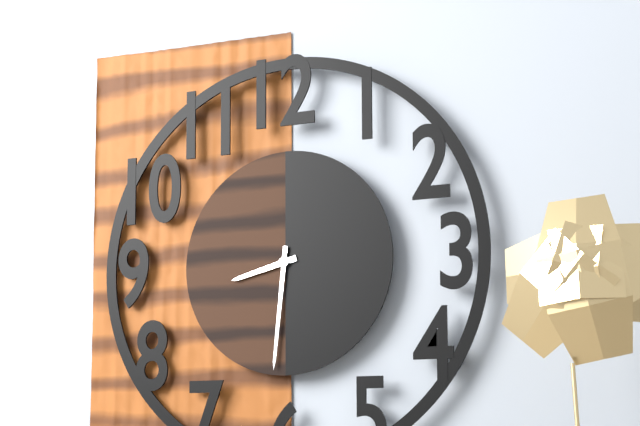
8:31
